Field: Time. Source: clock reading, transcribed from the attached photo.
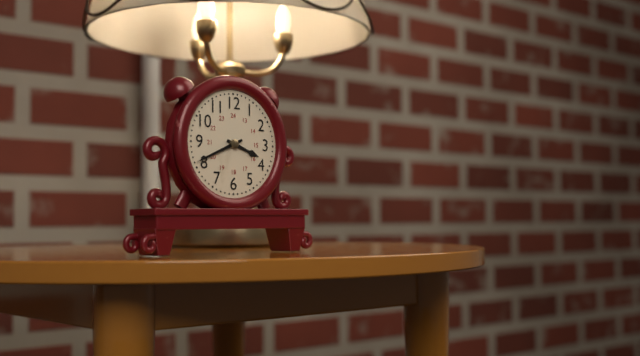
3:41
